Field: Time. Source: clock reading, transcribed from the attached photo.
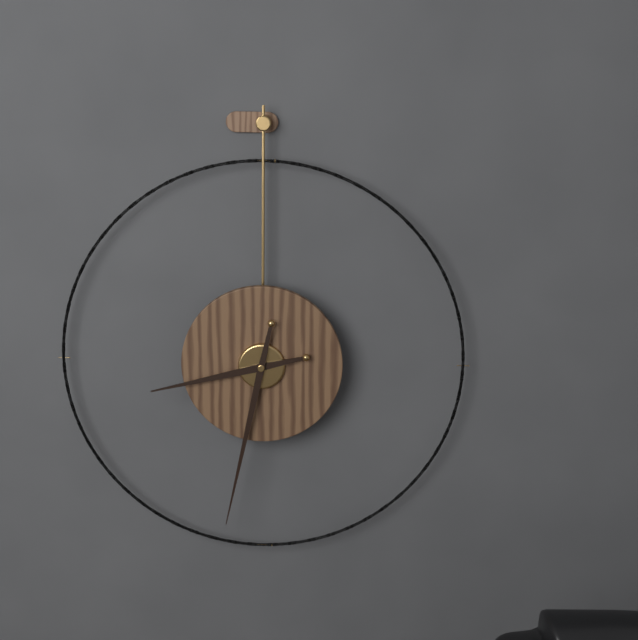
8:32
